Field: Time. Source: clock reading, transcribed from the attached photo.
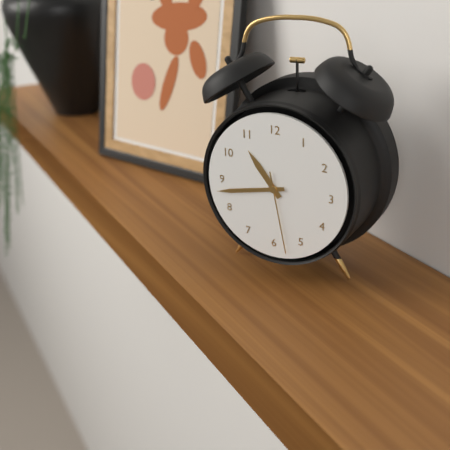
10:43:28
